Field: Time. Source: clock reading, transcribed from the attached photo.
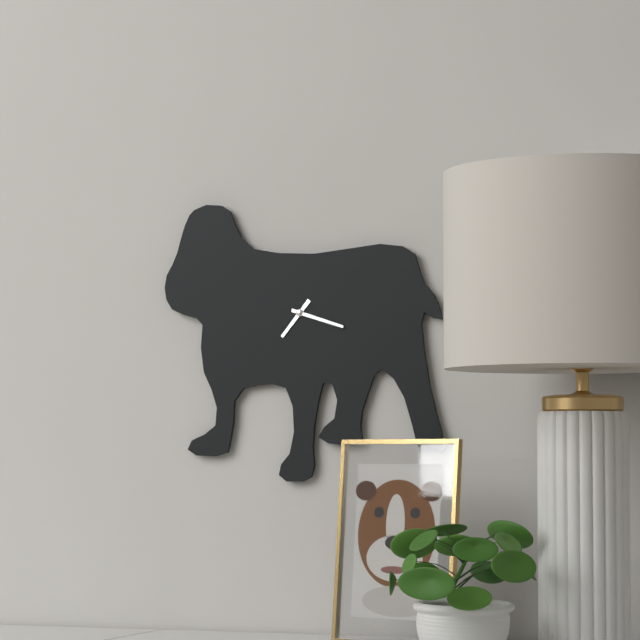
7:18
